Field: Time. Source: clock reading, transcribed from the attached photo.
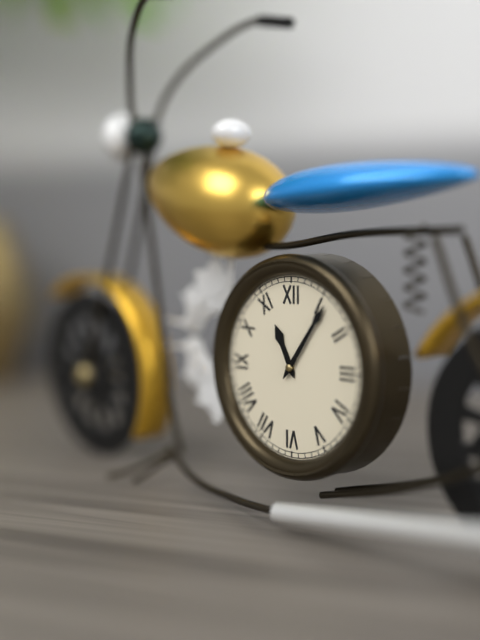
11:06
